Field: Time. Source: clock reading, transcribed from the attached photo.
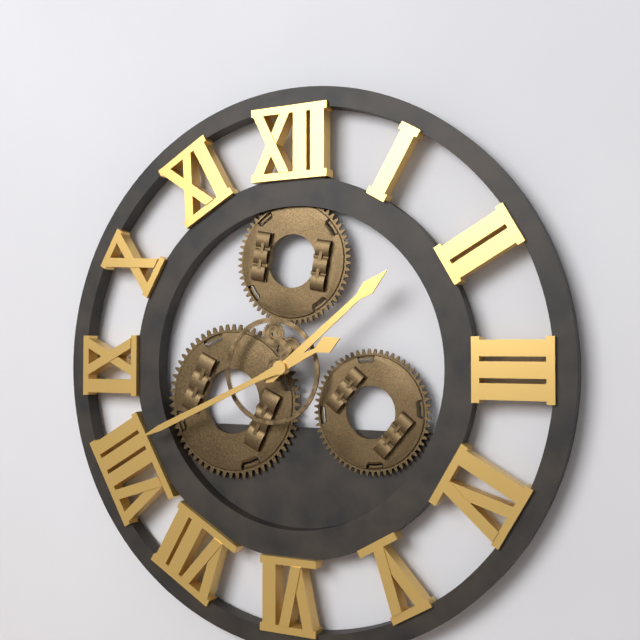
1:41
